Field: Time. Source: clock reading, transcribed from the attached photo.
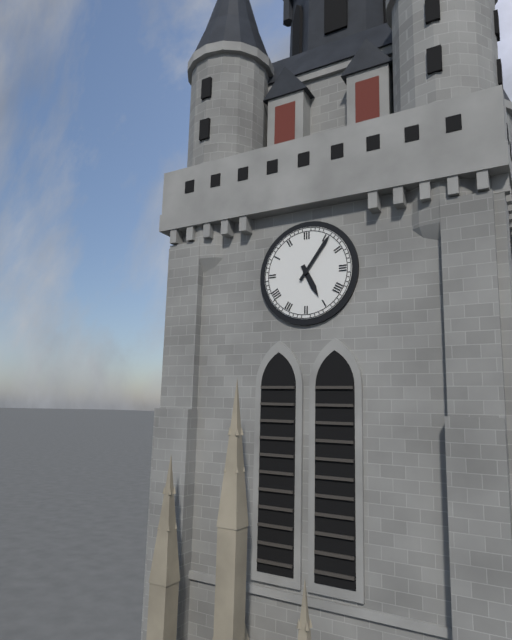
5:06
